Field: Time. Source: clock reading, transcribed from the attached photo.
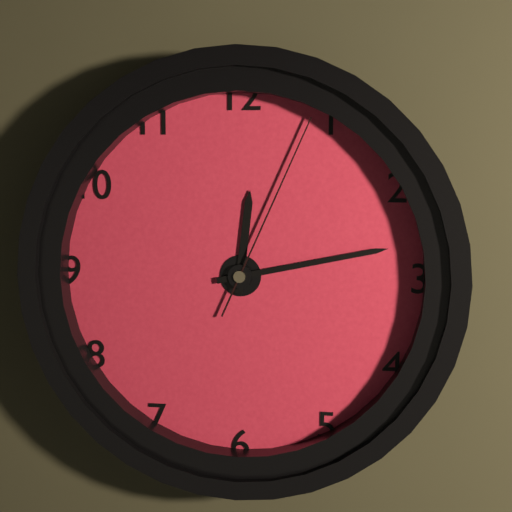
12:13:04
